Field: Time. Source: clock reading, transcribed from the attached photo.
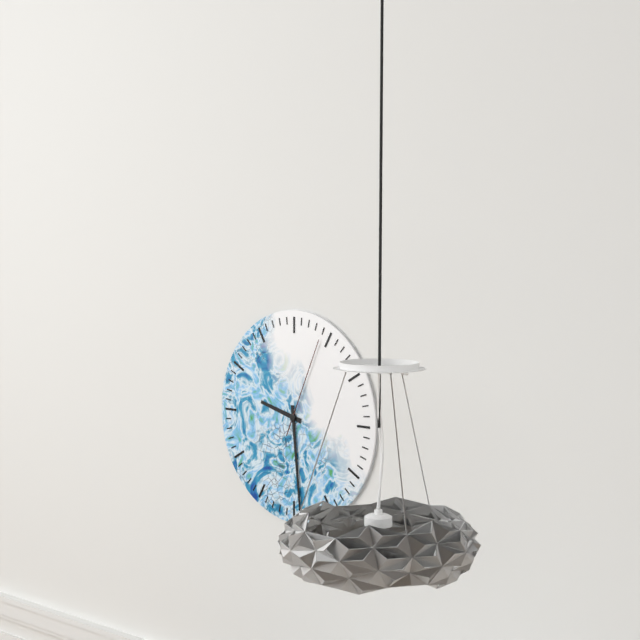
9:29:04
